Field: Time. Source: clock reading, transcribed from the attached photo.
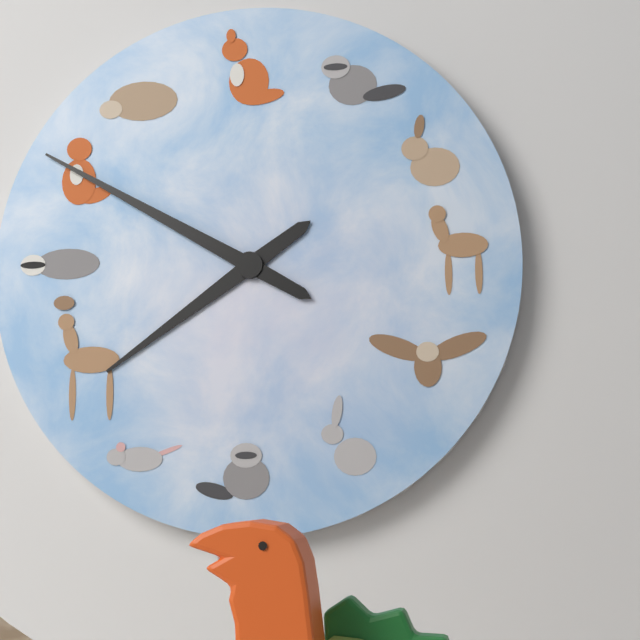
7:50
